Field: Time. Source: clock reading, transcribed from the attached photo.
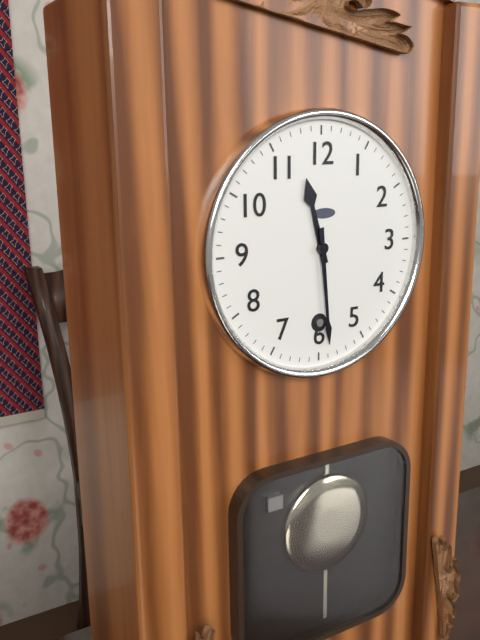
11:29
